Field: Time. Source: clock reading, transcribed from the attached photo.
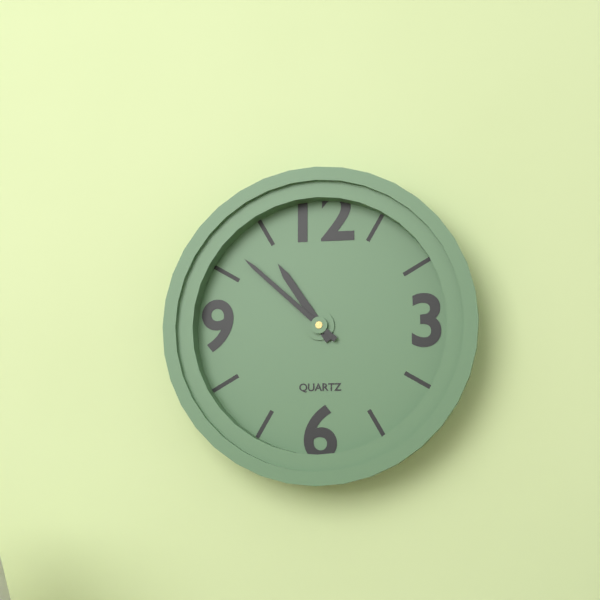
10:52
